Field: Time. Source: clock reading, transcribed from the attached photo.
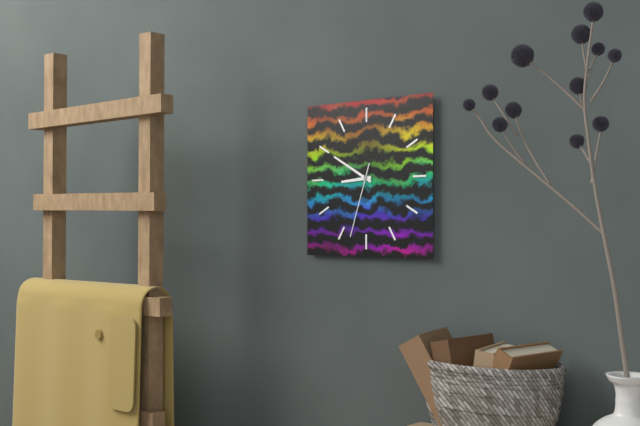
8:50:33
